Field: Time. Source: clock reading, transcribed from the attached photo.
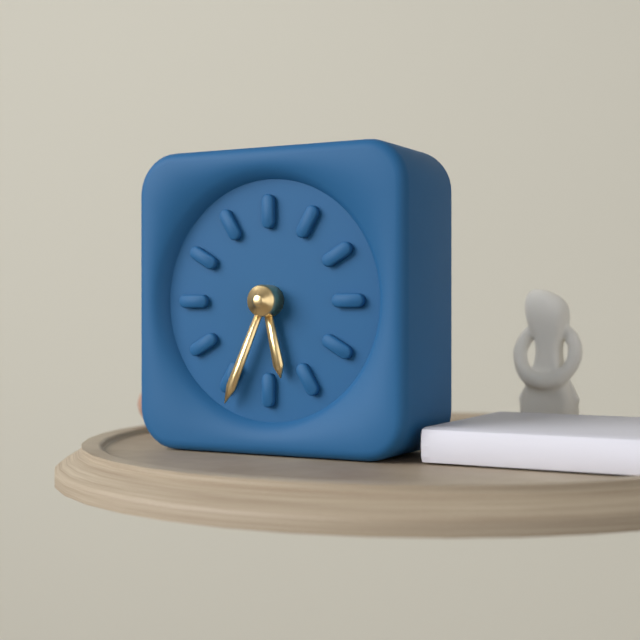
5:34
